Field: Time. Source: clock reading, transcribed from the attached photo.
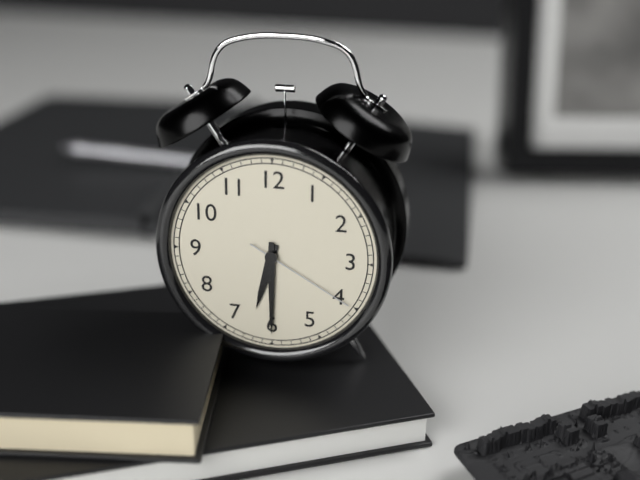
6:30:20
